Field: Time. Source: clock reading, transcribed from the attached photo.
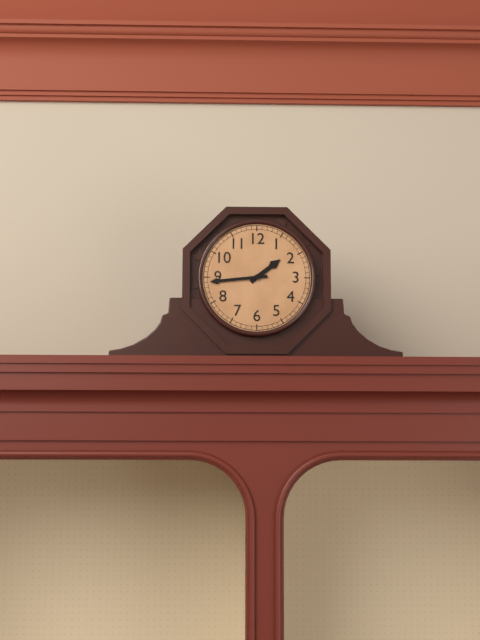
1:44
